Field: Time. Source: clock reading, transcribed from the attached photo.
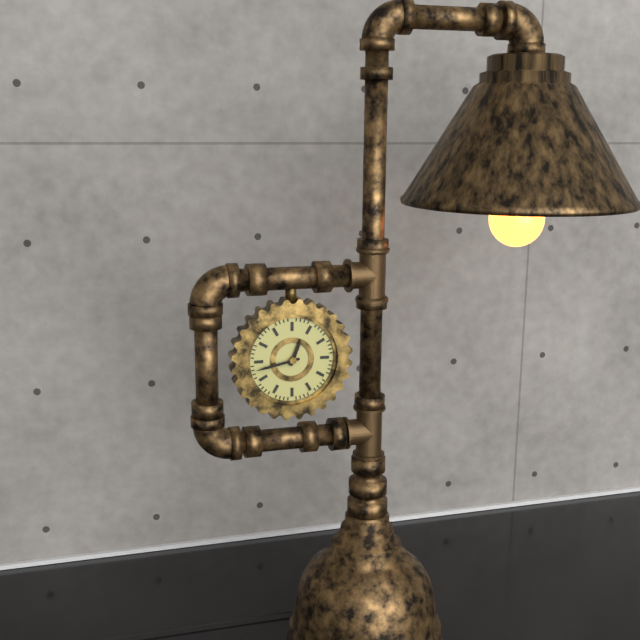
12:43
